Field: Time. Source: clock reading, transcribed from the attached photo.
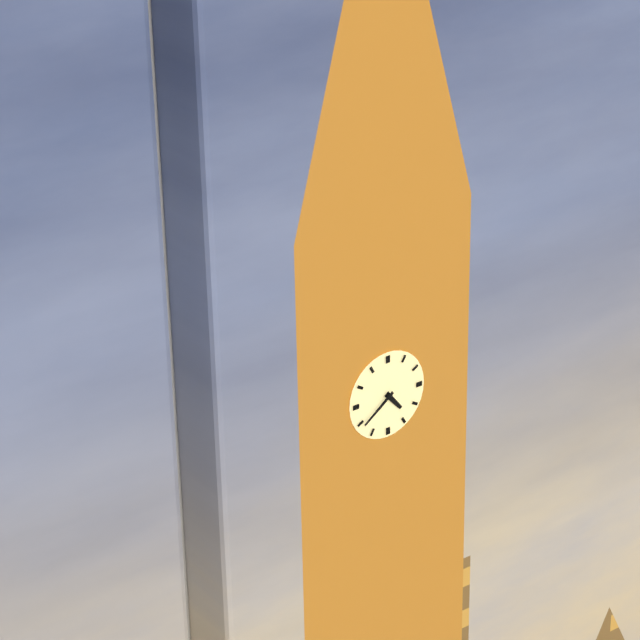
4:39
